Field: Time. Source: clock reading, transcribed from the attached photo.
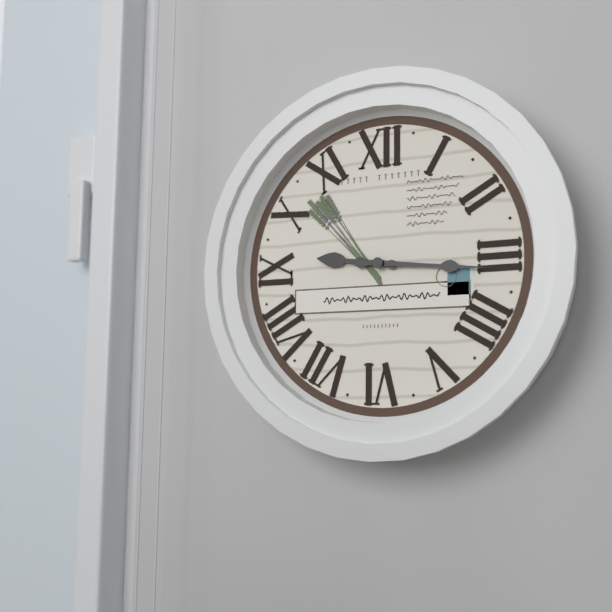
9:16
